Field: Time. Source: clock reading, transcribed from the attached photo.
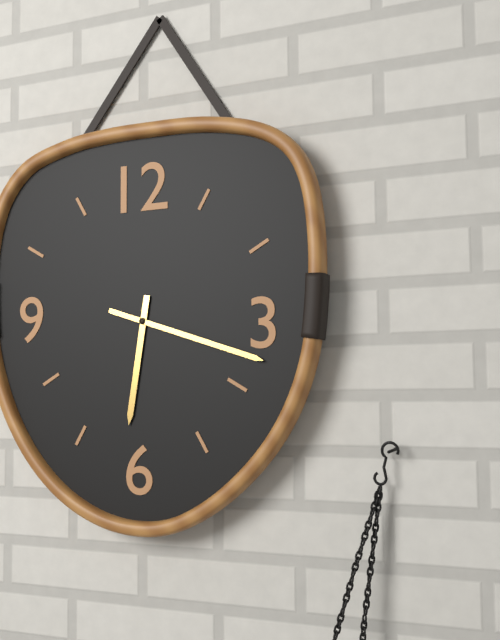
6:18
